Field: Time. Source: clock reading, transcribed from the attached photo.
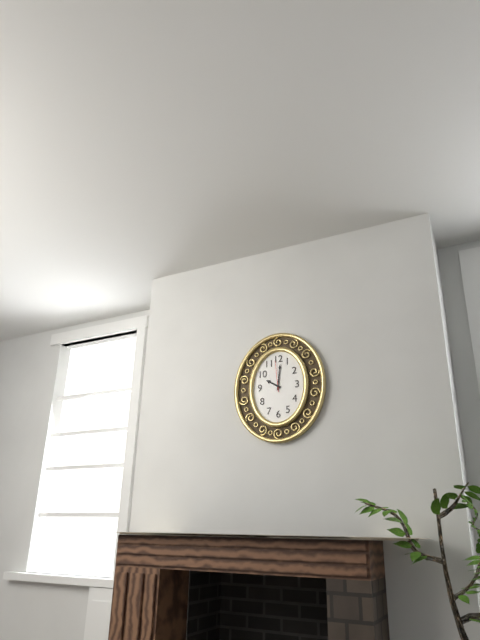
10:01
